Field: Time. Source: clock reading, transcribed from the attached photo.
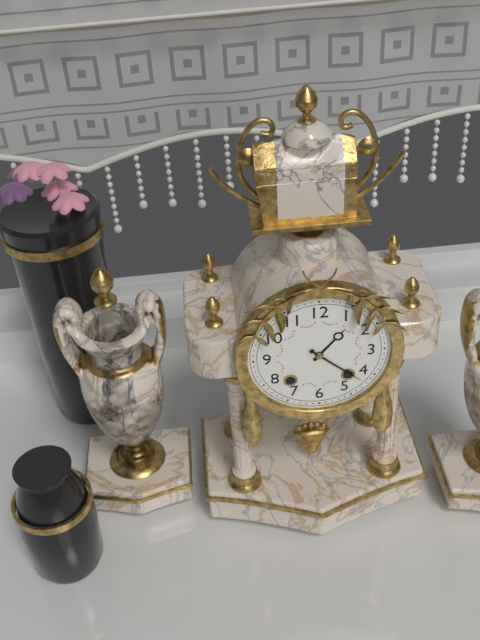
1:22
